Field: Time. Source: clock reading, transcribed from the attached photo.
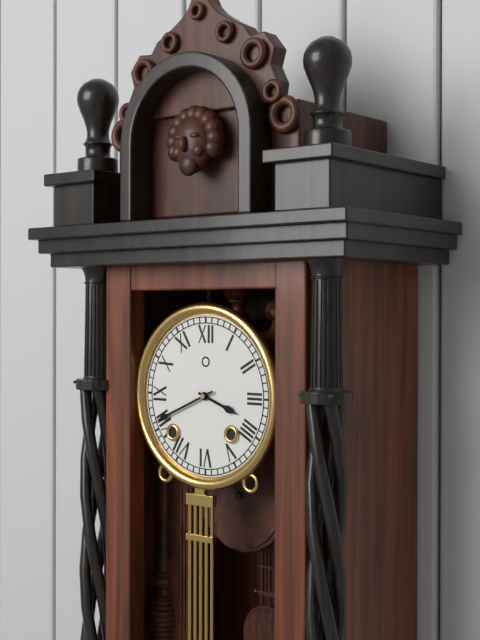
3:41
